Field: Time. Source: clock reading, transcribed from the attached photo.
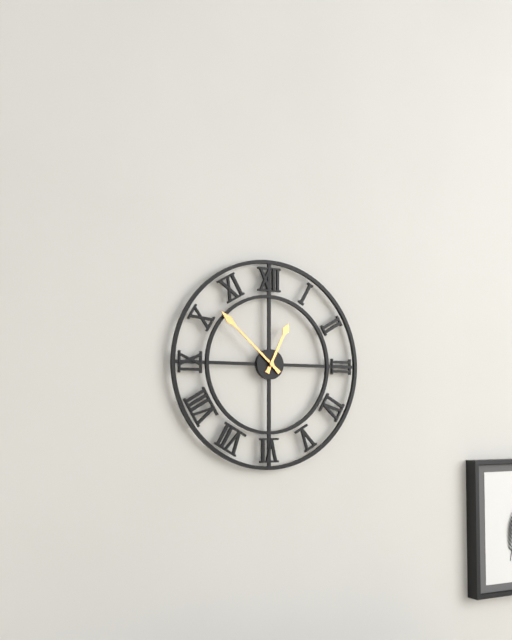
12:52
